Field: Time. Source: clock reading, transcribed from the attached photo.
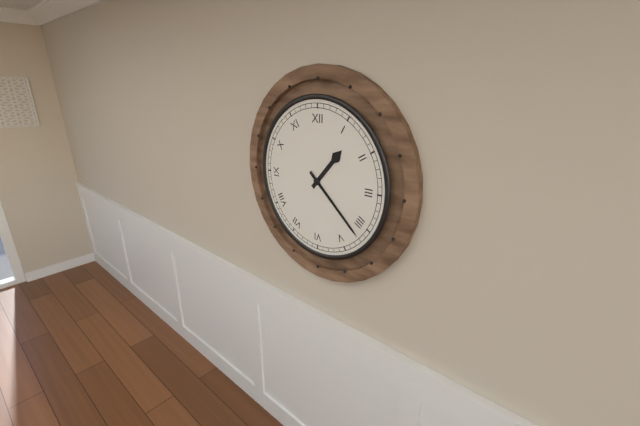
1:22
